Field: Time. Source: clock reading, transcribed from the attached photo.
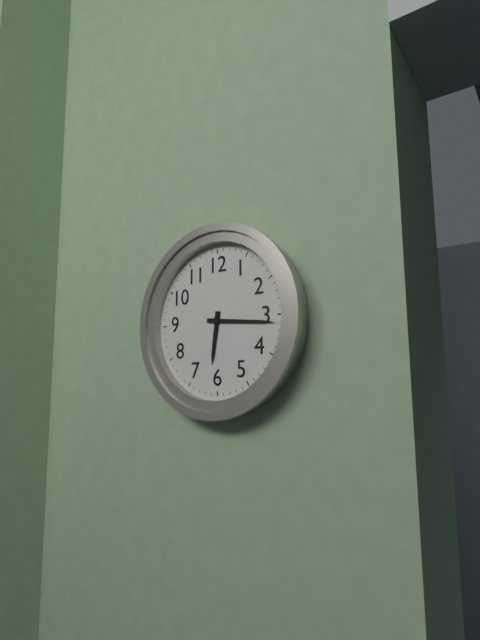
6:16
